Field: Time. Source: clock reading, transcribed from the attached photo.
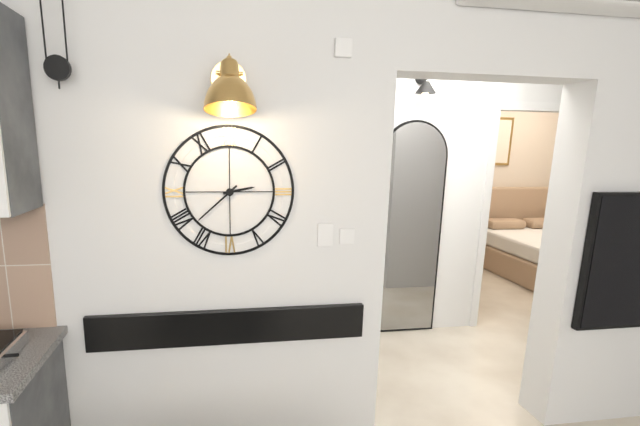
2:38
